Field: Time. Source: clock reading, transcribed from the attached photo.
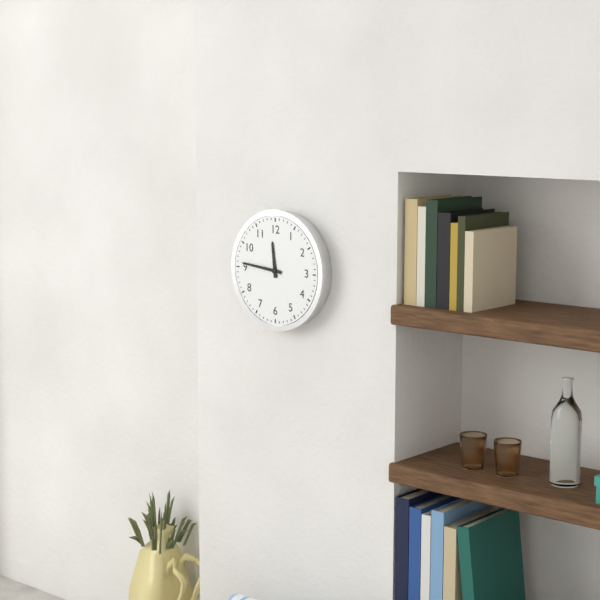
11:46
